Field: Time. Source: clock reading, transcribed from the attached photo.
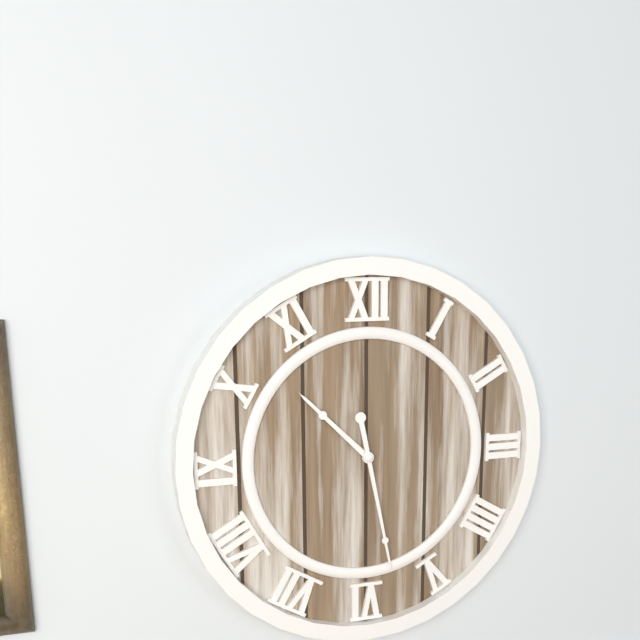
10:28
